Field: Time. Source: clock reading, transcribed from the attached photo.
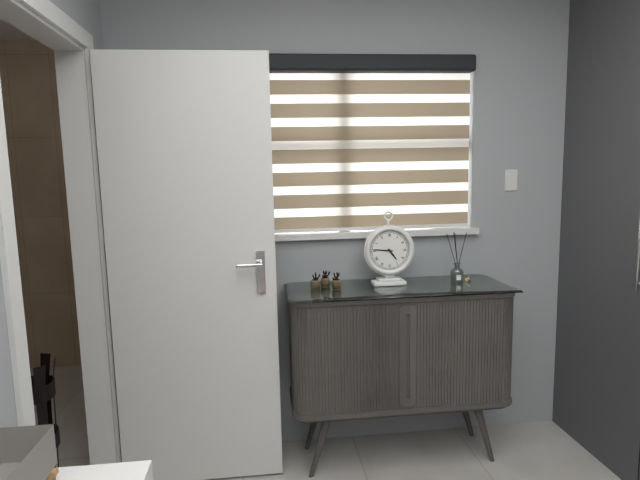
4:46
